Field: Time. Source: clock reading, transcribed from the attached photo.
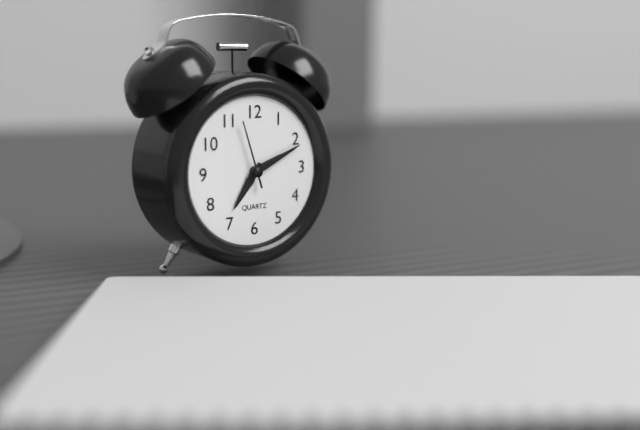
7:11:57
